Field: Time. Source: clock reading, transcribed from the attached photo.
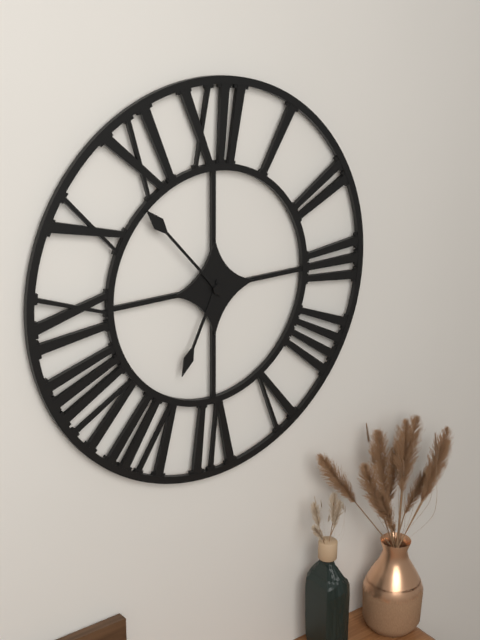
6:53
